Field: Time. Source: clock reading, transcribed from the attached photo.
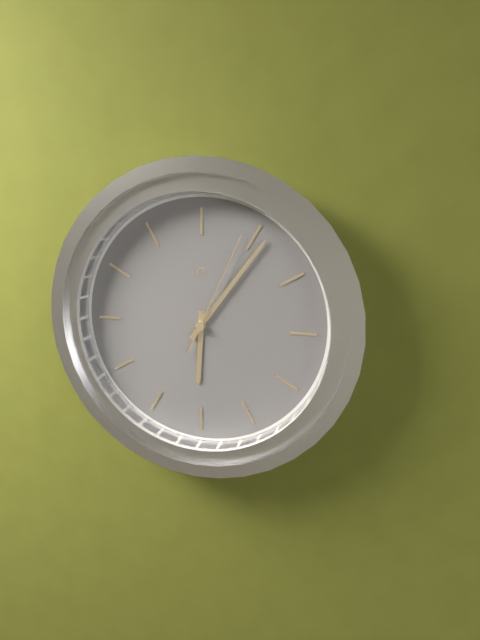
6:06:04
